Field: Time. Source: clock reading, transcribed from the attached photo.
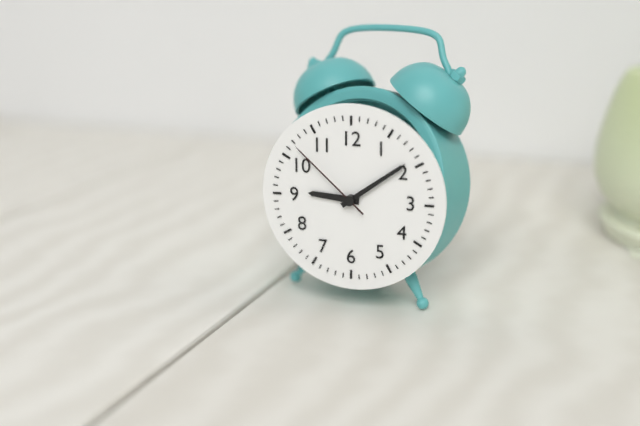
9:09:52
